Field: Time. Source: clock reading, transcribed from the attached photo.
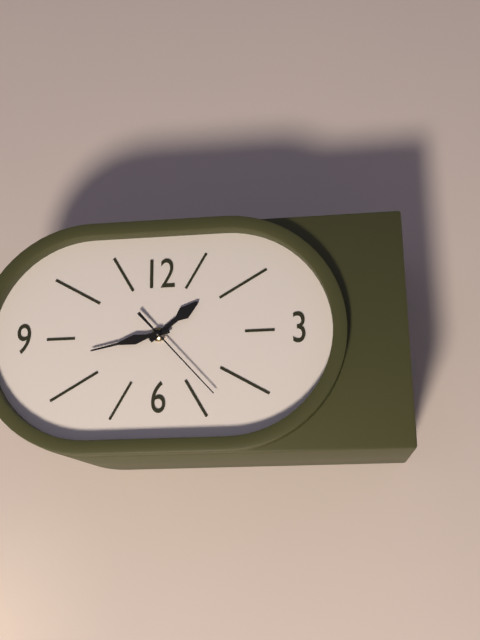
1:43
